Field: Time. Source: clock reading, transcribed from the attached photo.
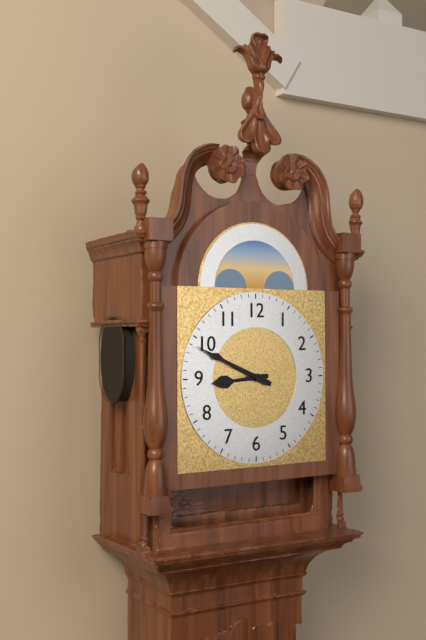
8:49
